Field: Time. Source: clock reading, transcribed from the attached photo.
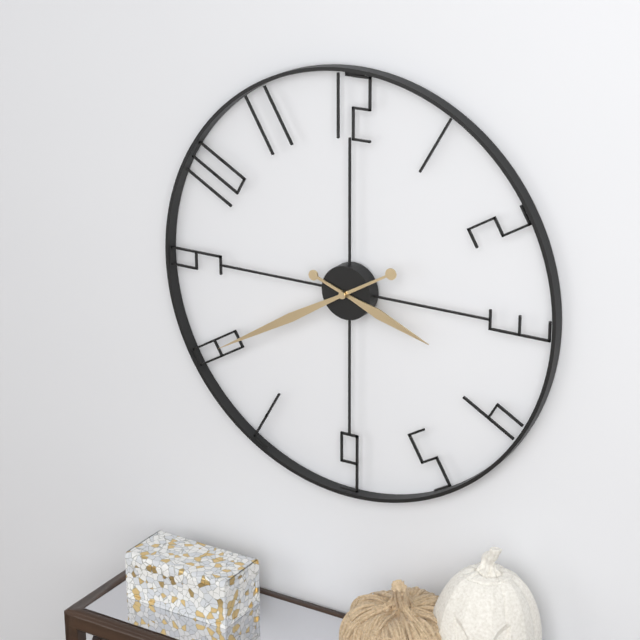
3:40
